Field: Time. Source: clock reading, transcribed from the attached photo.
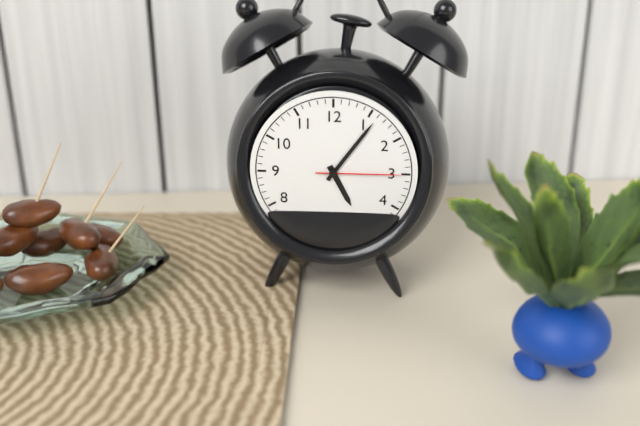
5:06:15
